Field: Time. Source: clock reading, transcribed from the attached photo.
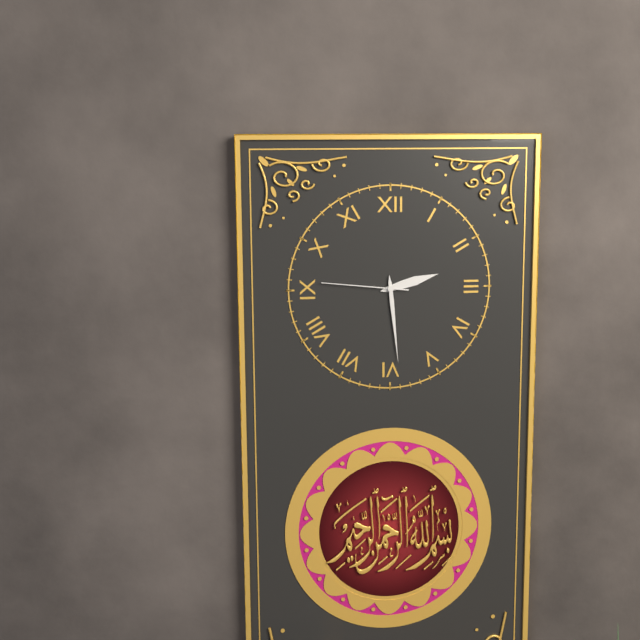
2:29:46
